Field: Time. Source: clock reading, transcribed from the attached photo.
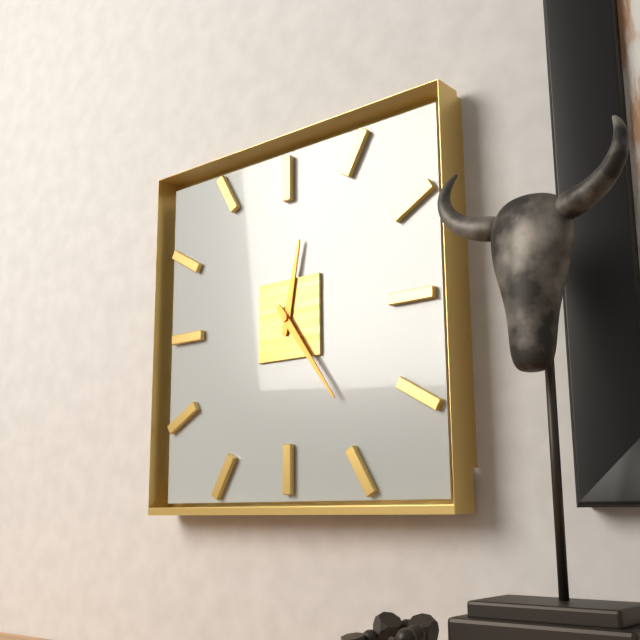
12:24
